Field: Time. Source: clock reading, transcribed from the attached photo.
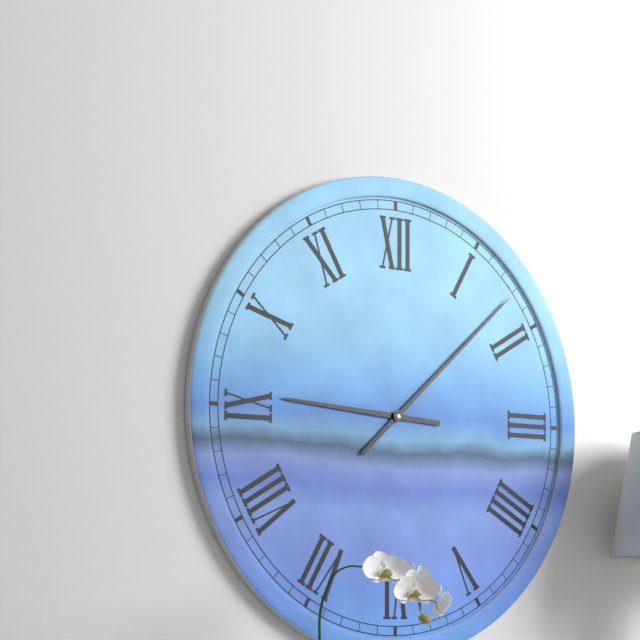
9:08
